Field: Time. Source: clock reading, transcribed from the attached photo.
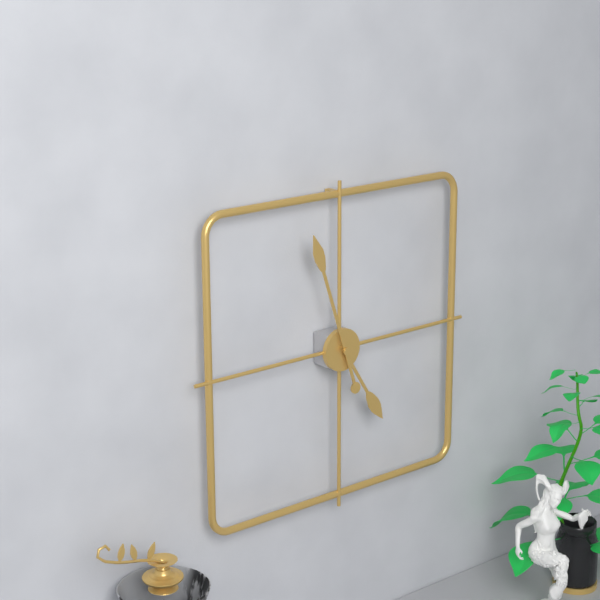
4:57
